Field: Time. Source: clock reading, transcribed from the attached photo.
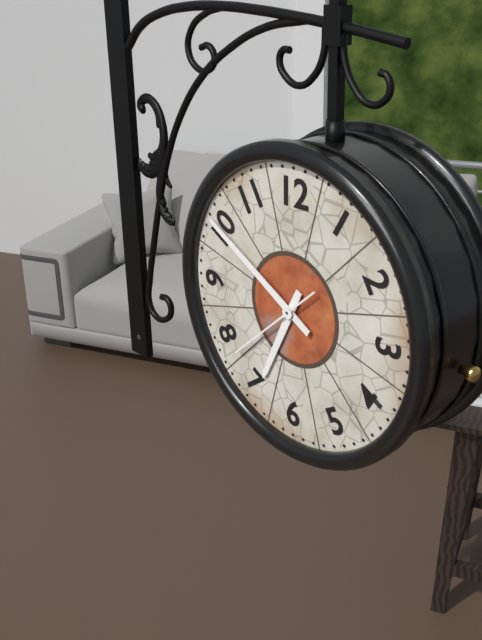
6:50:38
